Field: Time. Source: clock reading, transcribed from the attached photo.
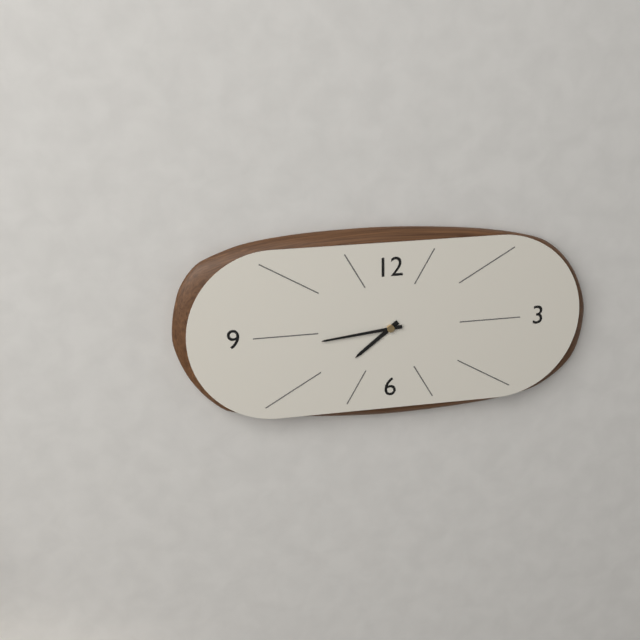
7:44
